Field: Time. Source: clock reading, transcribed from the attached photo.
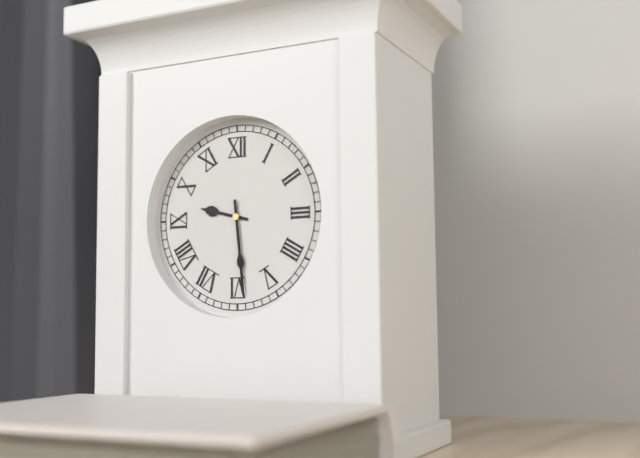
9:29
